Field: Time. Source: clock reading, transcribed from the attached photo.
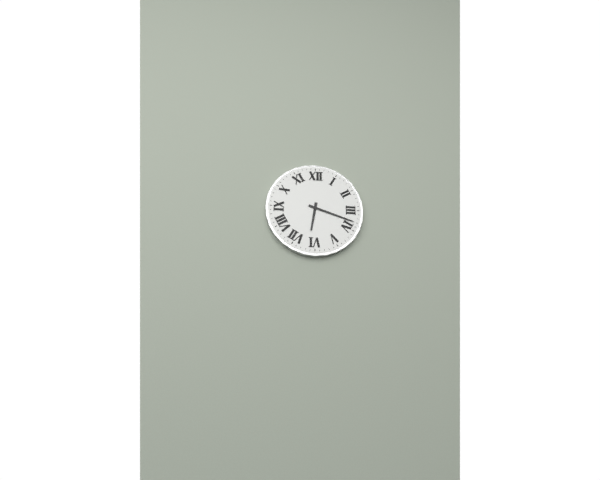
6:18
